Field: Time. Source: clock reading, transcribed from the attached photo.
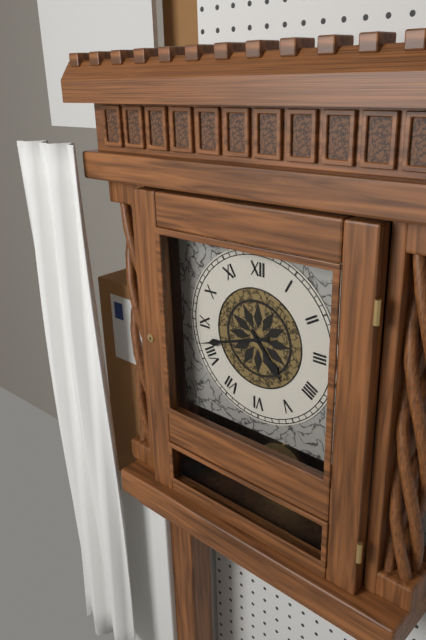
4:42
